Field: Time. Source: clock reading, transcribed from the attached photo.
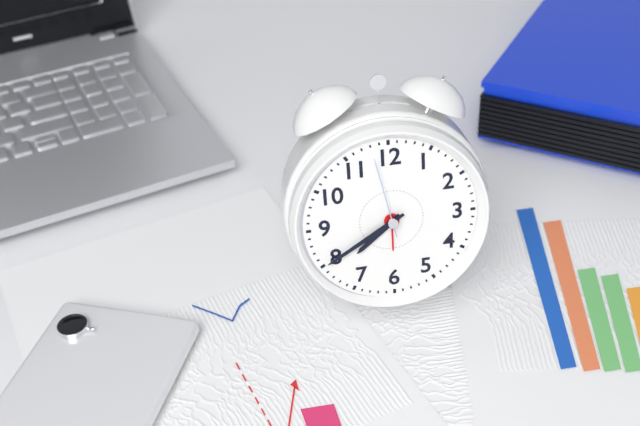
7:40:58
